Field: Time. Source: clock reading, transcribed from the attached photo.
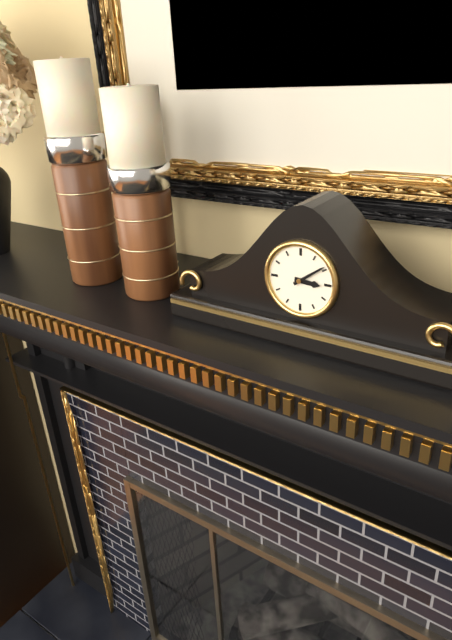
3:09
